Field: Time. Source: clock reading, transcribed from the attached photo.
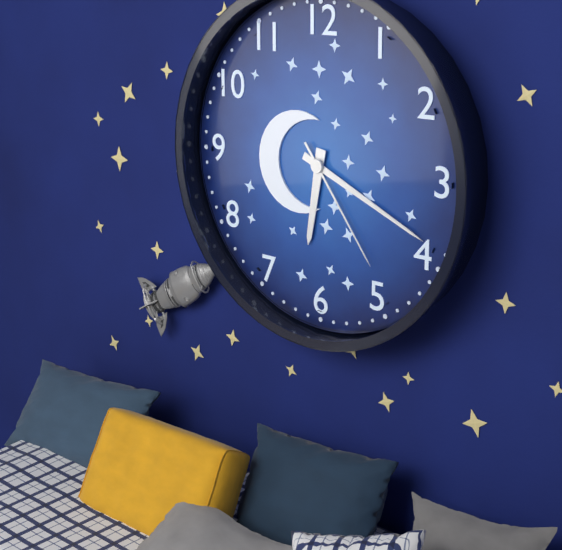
6:19:24
